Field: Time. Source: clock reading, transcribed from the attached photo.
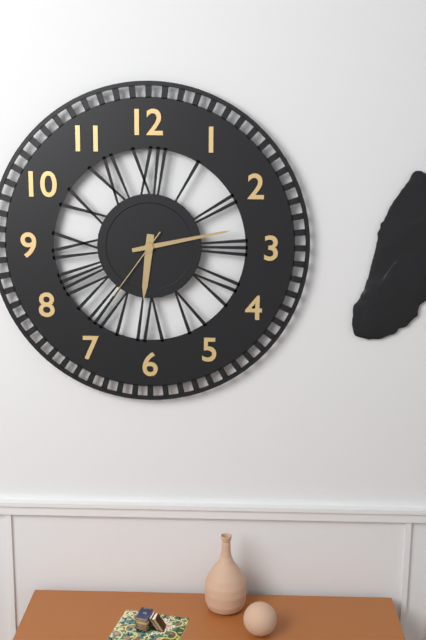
6:13:36
